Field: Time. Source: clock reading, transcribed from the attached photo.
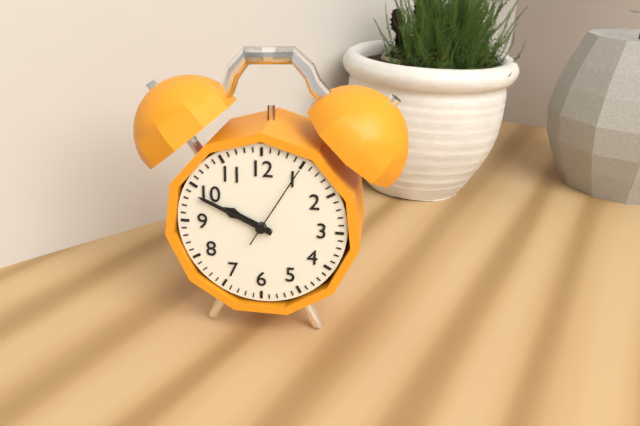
9:49:05
